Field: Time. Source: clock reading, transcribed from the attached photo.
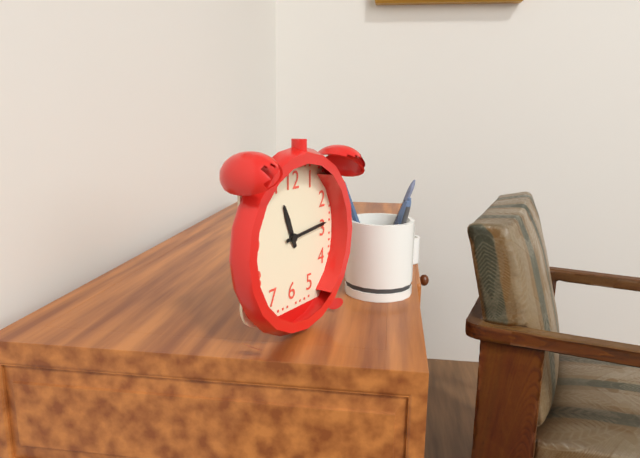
11:14
